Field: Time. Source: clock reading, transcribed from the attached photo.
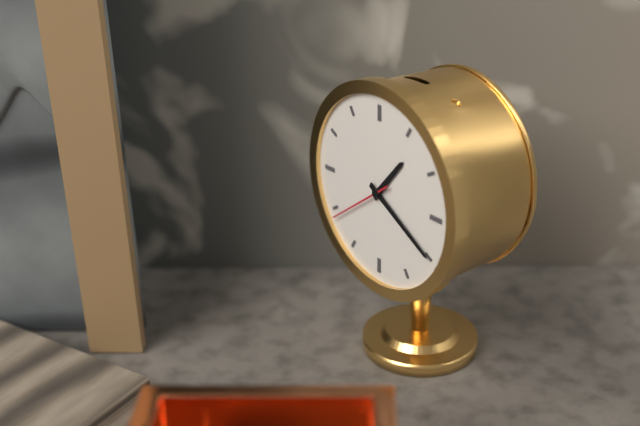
1:20:39
